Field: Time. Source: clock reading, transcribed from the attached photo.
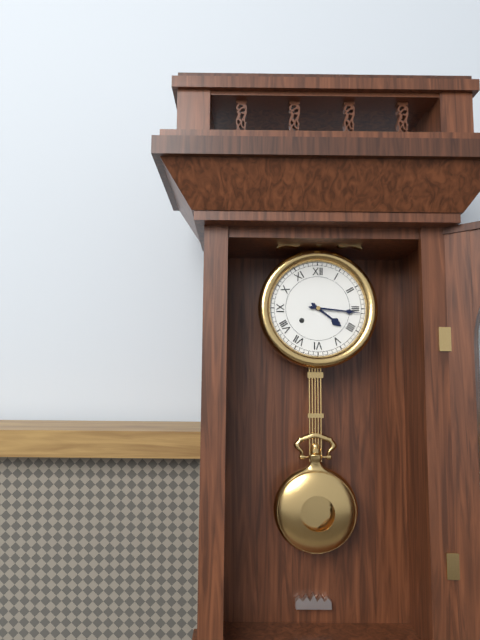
4:16
